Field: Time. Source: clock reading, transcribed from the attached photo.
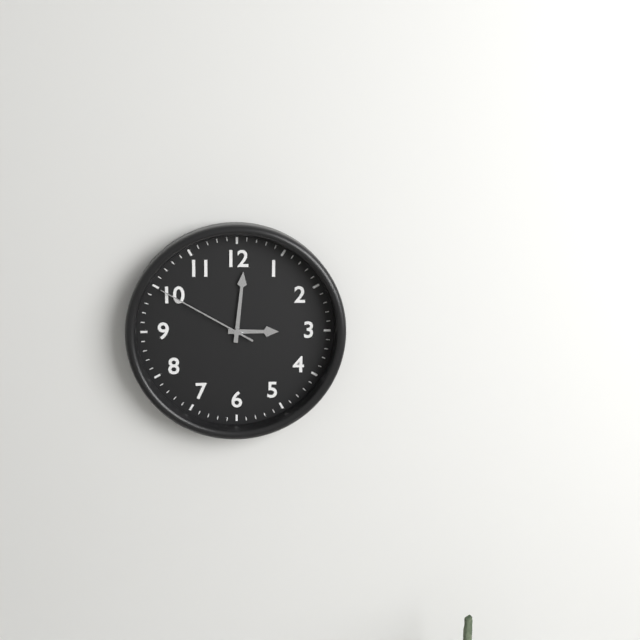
3:01:50
